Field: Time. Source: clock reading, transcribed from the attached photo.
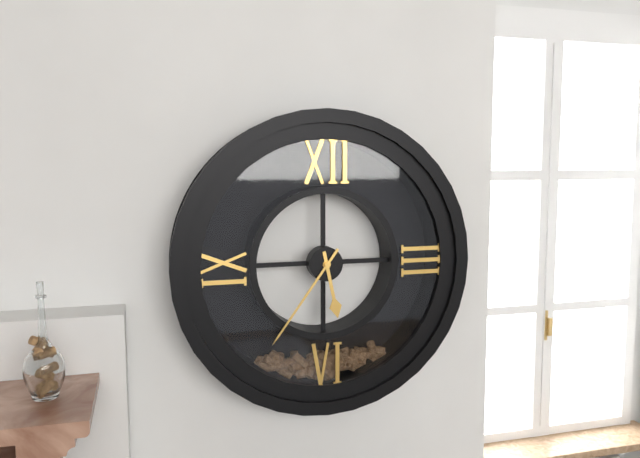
5:36
